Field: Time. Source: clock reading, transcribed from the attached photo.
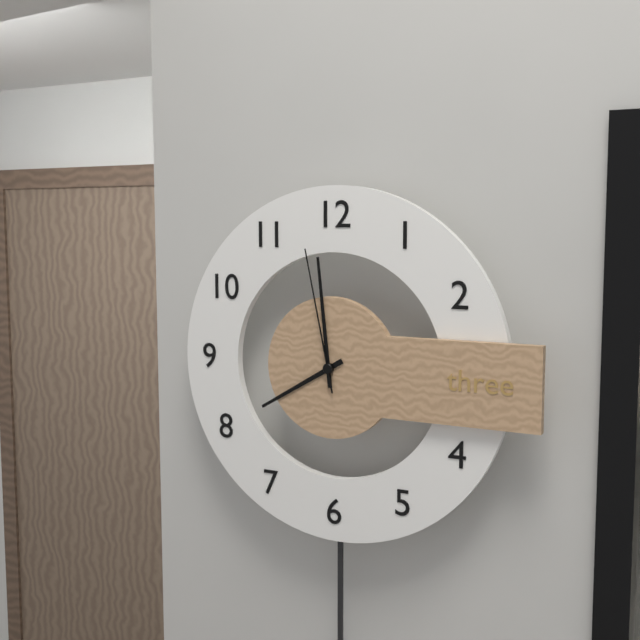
7:59:58
